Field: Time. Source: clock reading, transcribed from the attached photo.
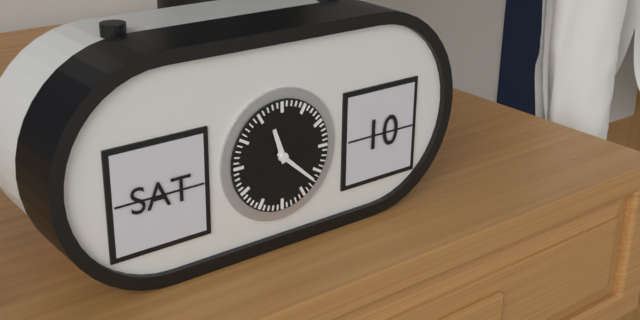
11:22
